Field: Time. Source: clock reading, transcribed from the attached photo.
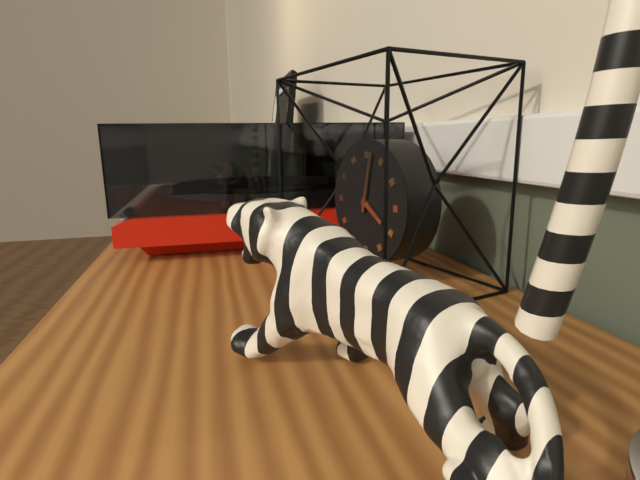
4:02
